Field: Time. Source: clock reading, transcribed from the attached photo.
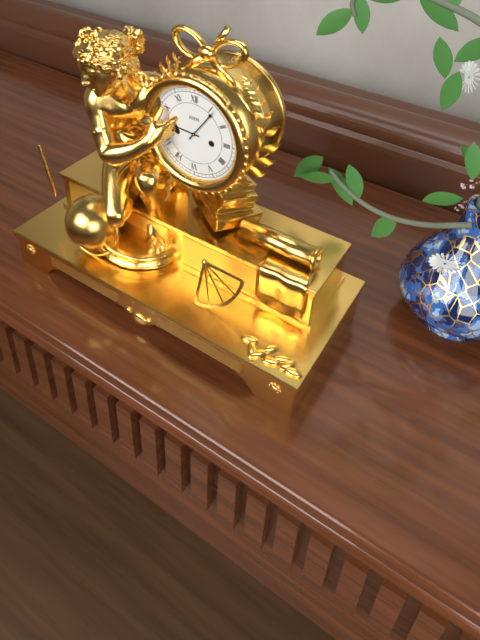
9:06
